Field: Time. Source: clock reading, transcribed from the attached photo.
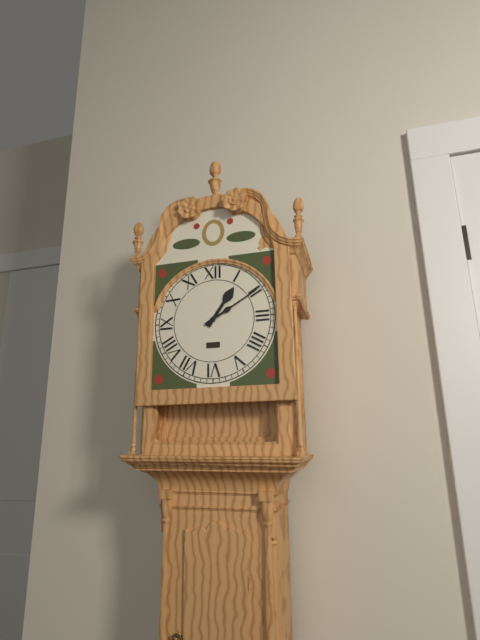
1:10
